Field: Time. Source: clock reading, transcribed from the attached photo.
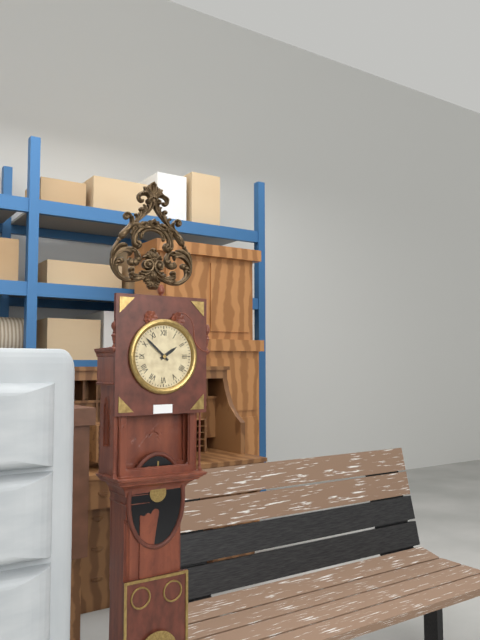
1:52
